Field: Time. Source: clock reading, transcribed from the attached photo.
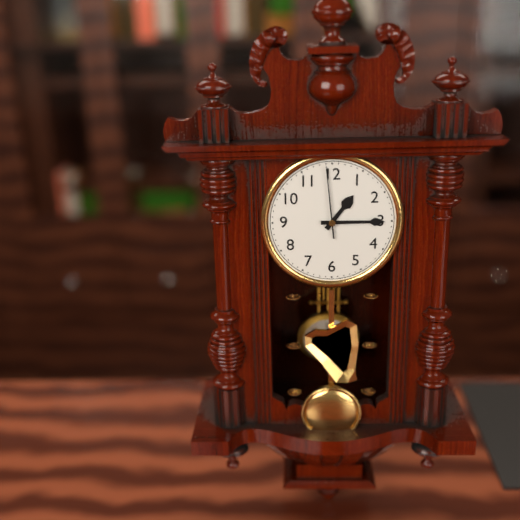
1:15:59
